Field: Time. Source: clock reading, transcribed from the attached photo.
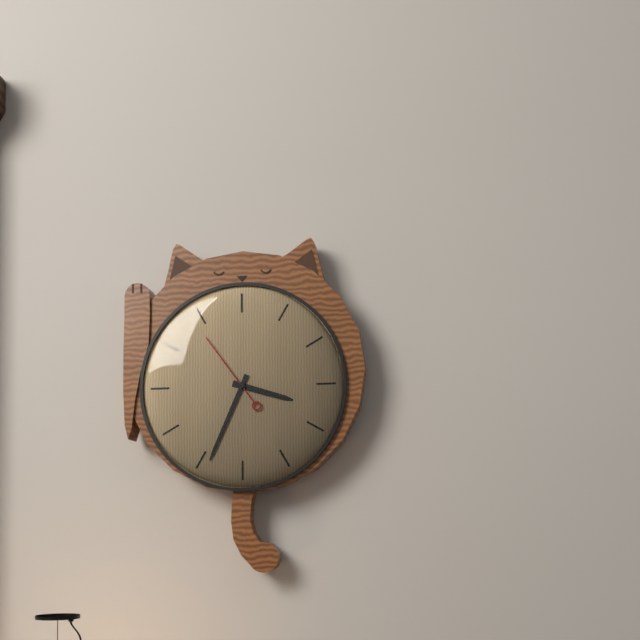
3:34:54
